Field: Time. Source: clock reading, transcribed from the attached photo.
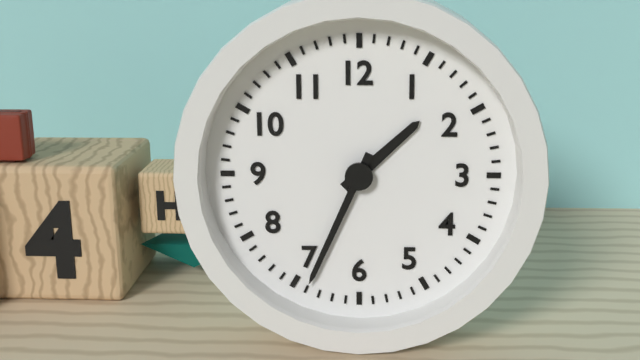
1:34
